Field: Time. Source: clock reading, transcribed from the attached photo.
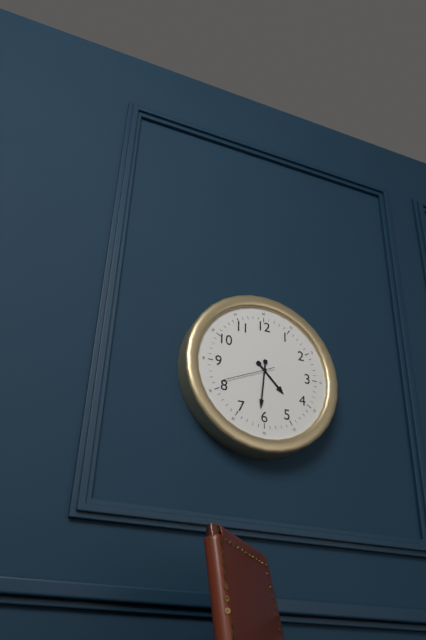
4:31:41
